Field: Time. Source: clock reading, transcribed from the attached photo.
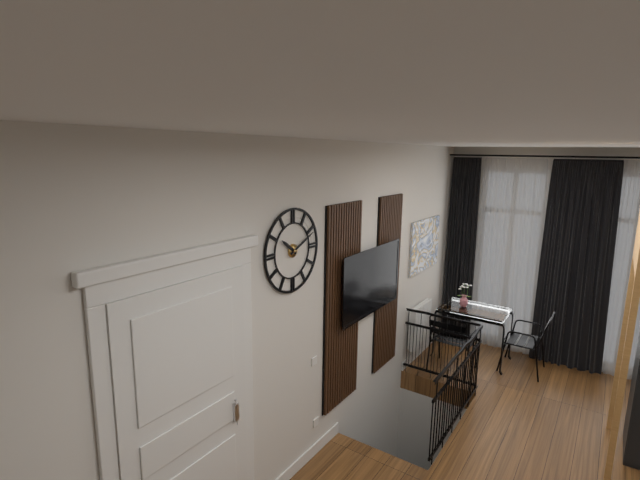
10:11
